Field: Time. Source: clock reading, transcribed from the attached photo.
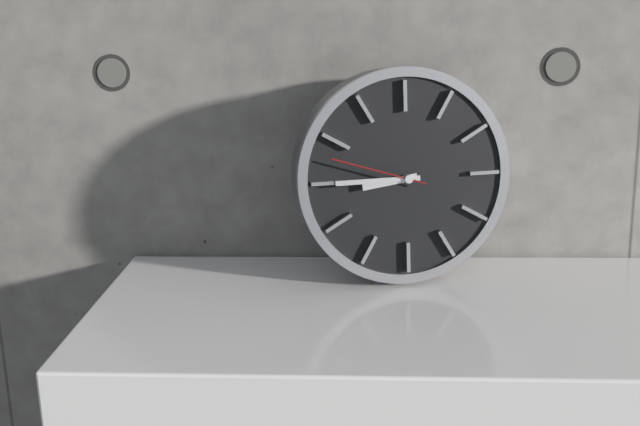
8:45:48
